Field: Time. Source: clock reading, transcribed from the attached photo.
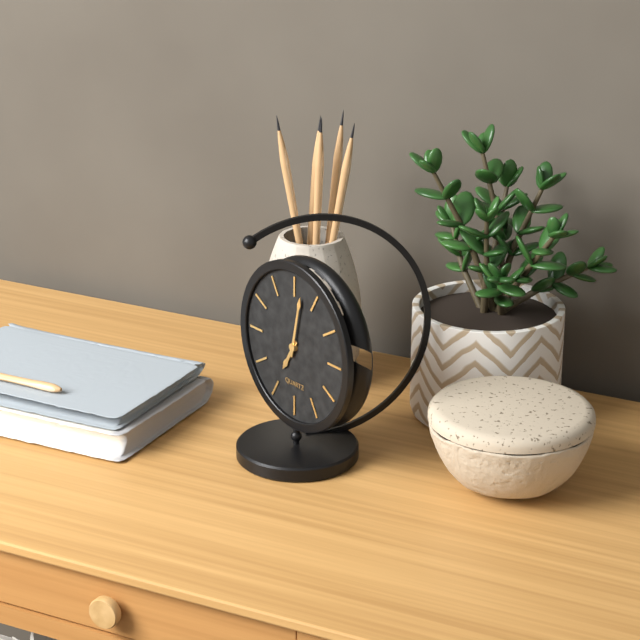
7:02
